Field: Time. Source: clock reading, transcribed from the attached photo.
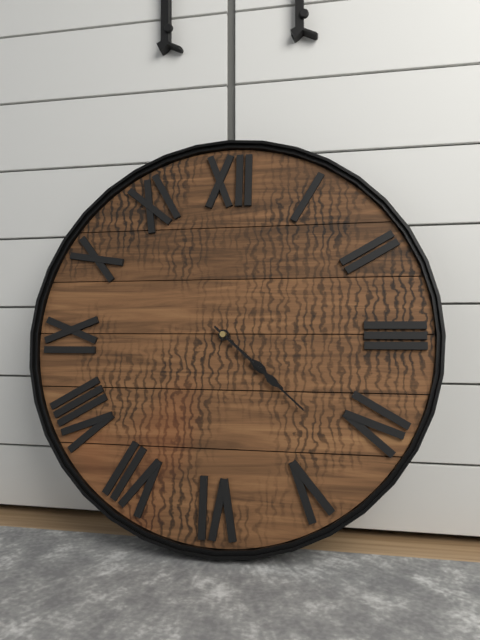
4:22
